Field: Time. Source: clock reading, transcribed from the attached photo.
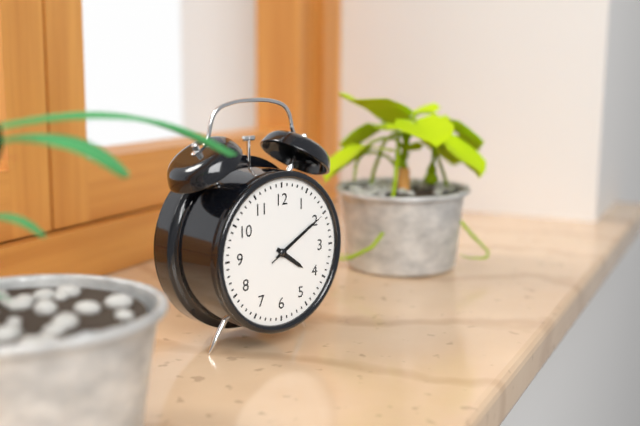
4:10:10
